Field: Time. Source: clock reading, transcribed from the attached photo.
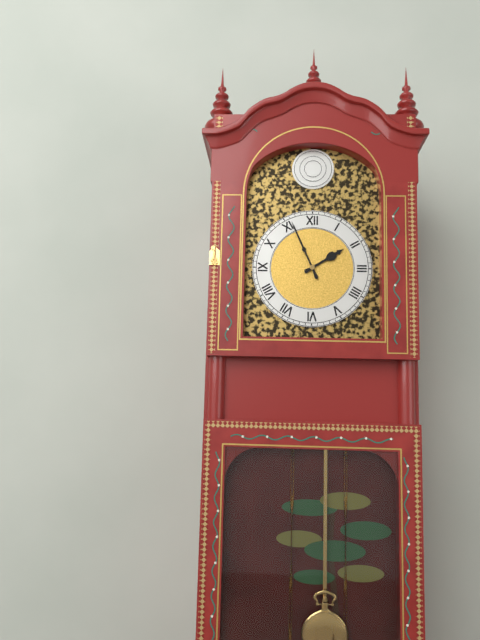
1:56
